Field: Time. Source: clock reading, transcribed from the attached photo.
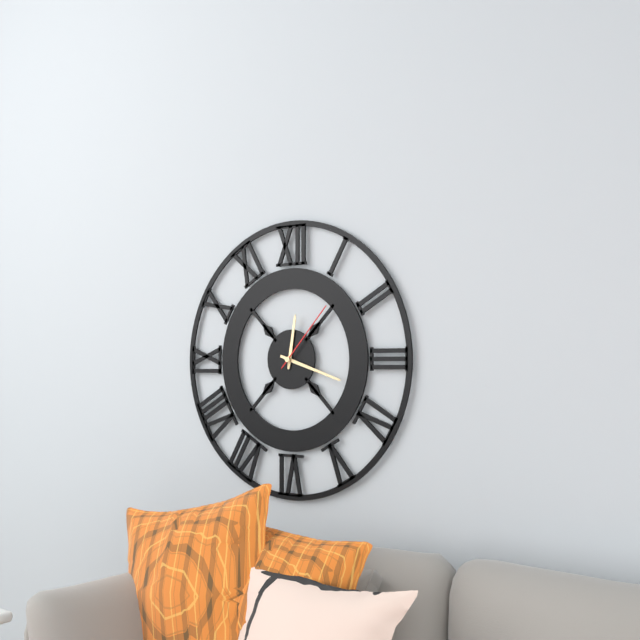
12:18:07
